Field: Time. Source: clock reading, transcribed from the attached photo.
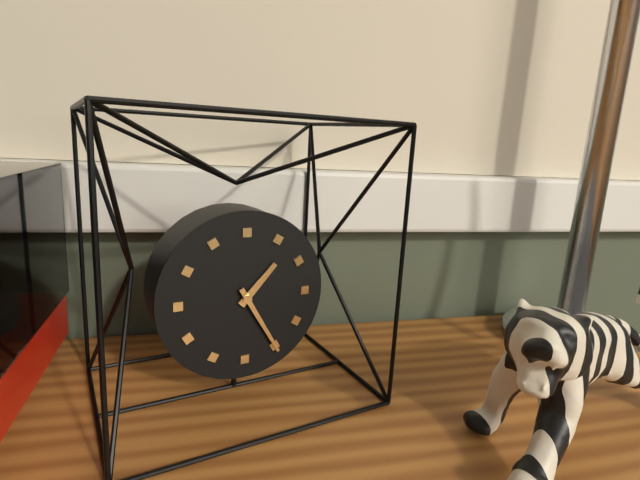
1:25
